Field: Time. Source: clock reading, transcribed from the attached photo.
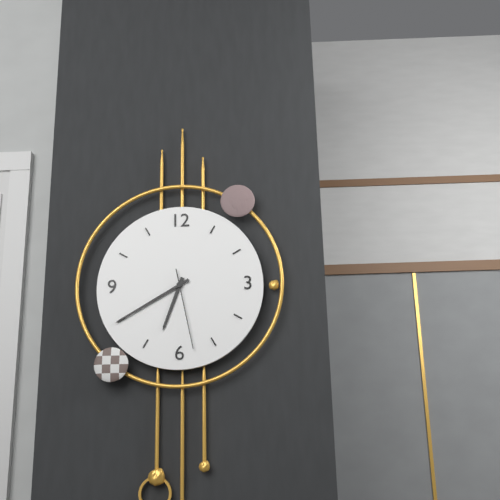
6:40:28
